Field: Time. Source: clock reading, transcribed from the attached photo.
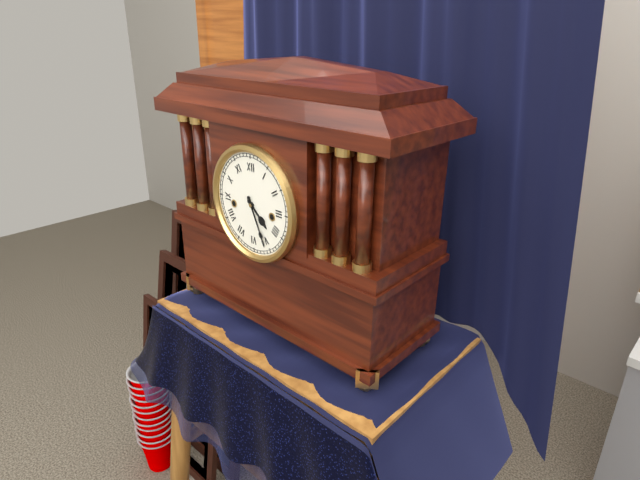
4:26
